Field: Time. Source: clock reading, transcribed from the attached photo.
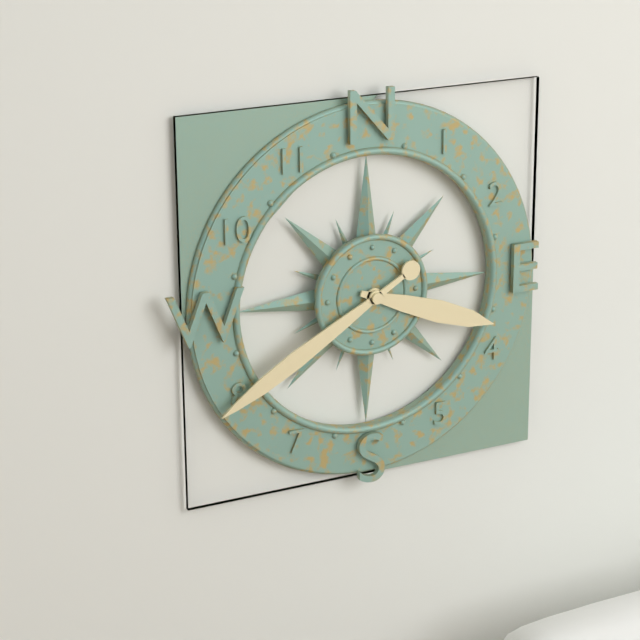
3:40
